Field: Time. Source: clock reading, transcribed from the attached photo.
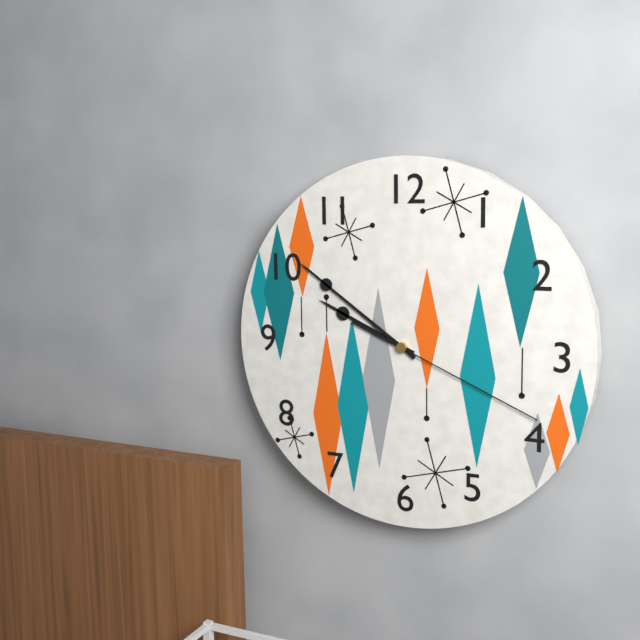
9:51:19
